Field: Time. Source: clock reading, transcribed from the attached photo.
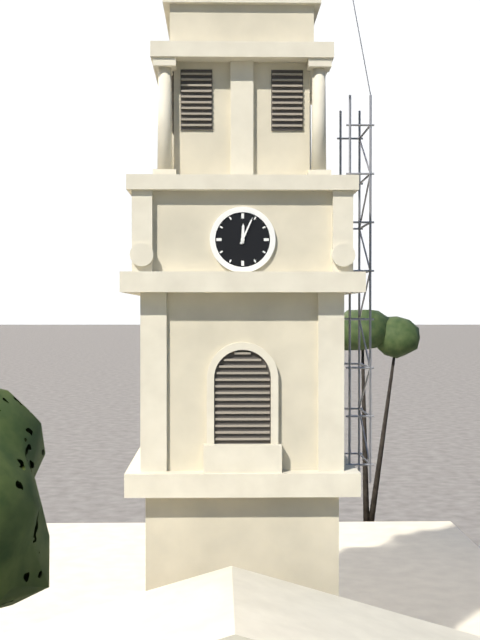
12:04
